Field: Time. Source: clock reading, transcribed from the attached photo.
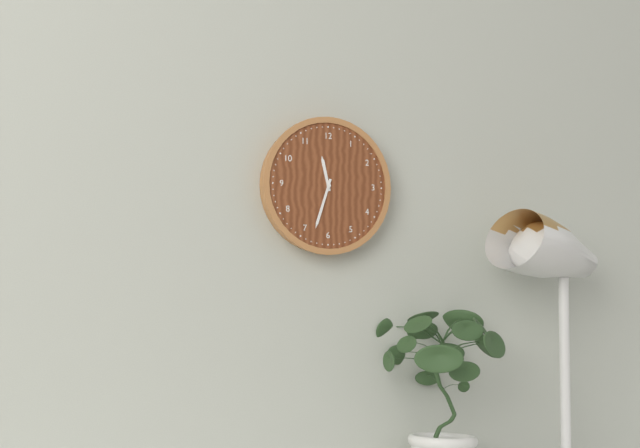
11:33
